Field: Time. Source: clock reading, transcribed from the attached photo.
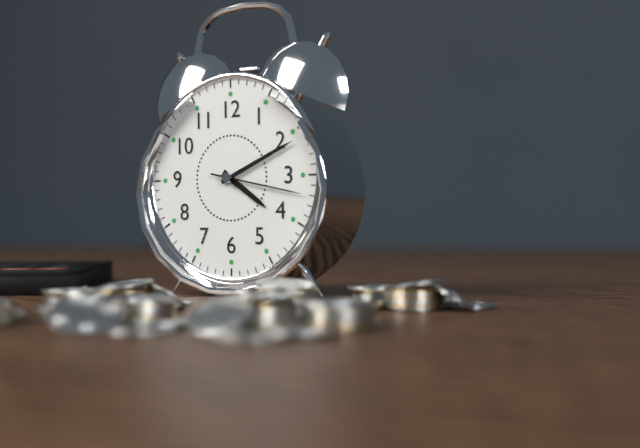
4:11:17
